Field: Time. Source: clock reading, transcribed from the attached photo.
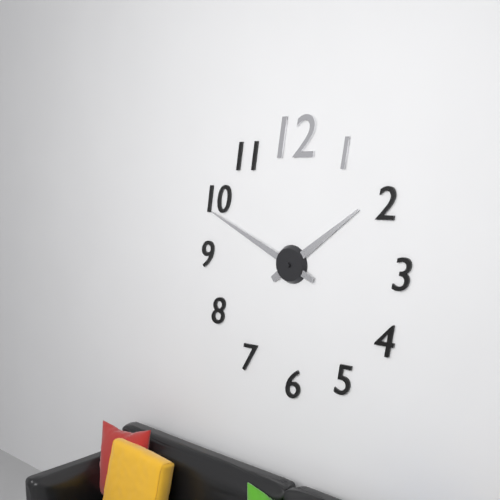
1:49
